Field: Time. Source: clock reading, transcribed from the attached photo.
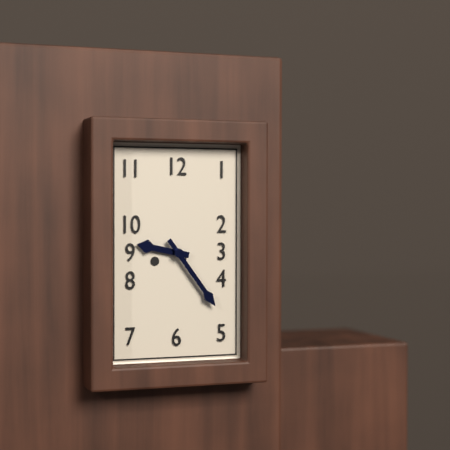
9:24
